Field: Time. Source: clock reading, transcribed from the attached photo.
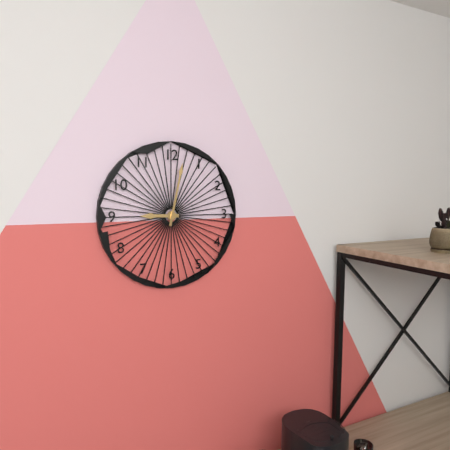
9:02
